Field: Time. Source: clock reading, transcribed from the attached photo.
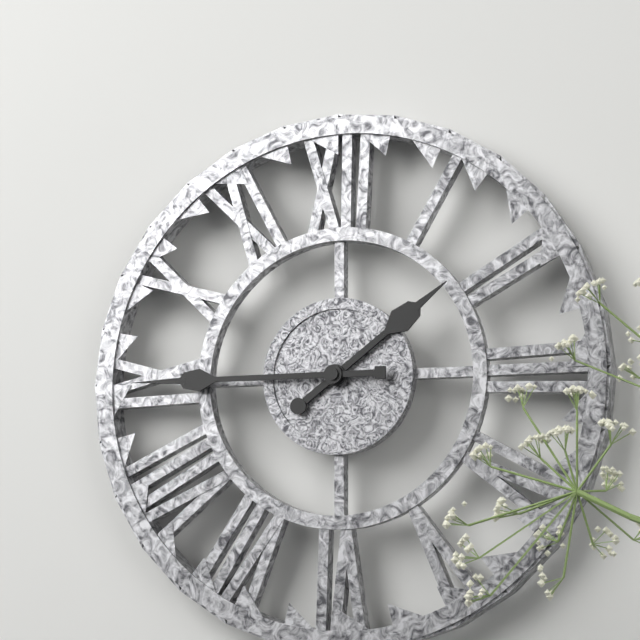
1:45
